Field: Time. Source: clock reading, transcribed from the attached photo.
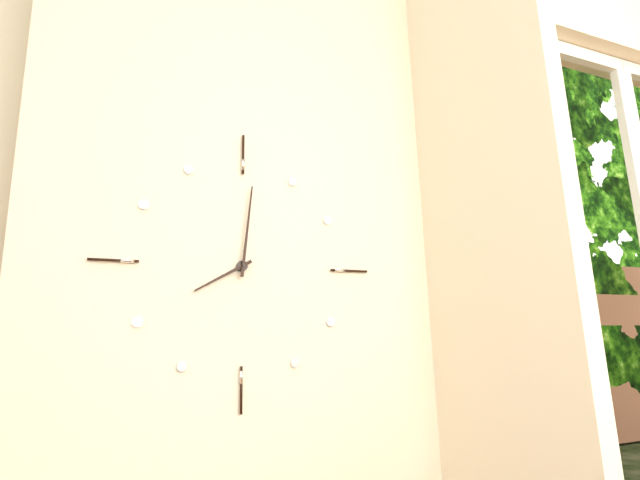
8:01
